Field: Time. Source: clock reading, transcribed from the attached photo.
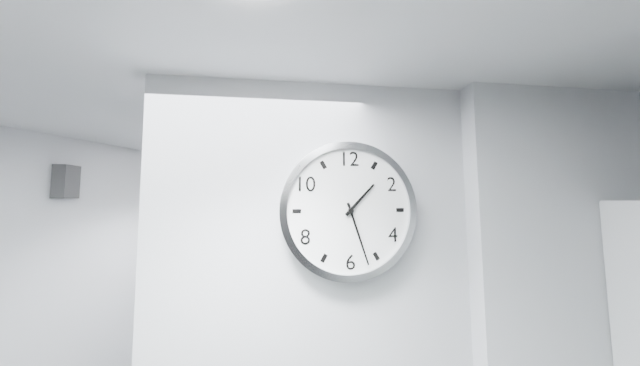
1:27
